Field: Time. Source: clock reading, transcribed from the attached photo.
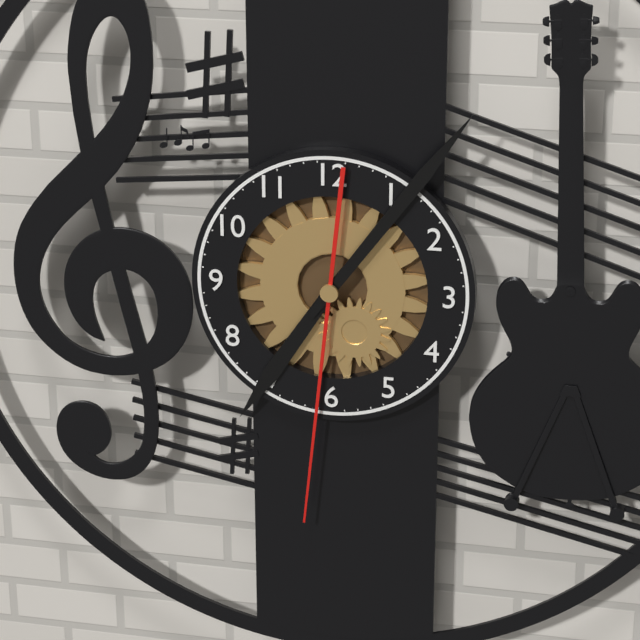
7:06:31
